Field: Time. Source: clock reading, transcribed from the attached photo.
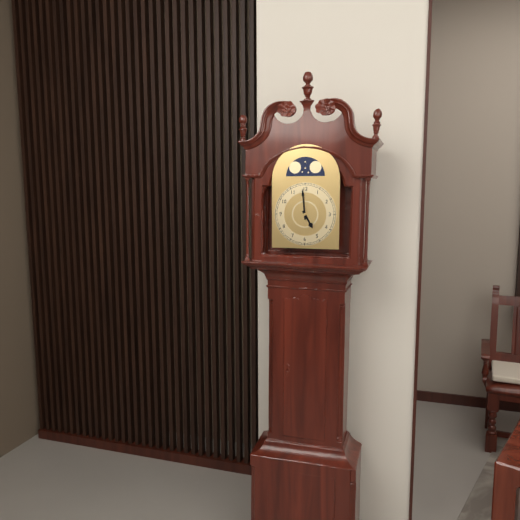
4:59
